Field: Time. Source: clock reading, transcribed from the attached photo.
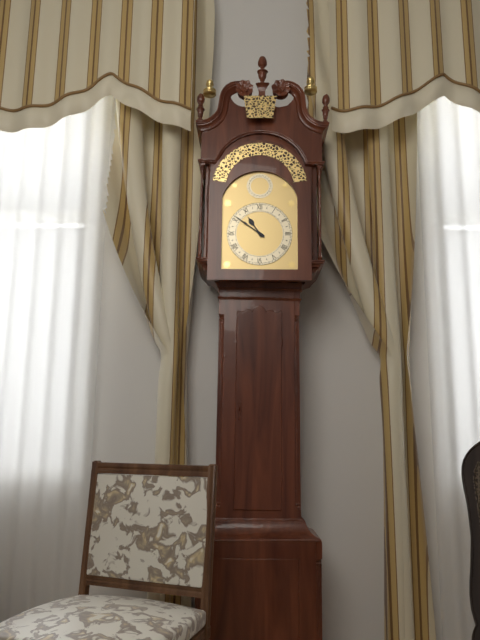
10:51
